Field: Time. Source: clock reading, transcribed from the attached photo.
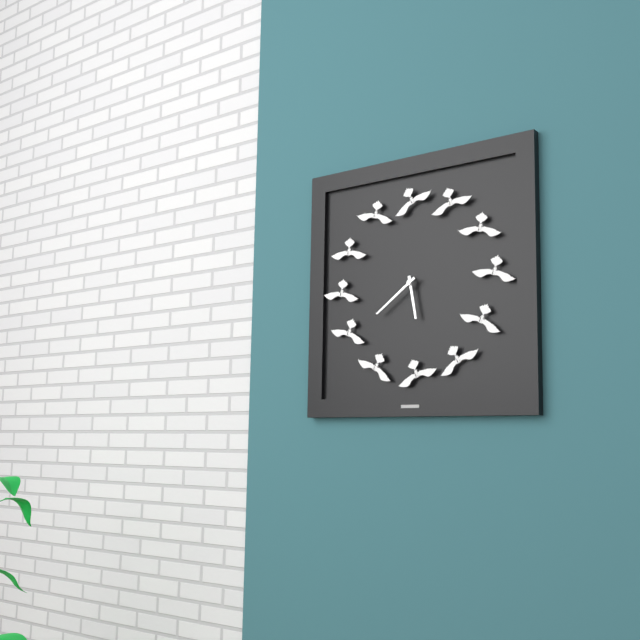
5:39
